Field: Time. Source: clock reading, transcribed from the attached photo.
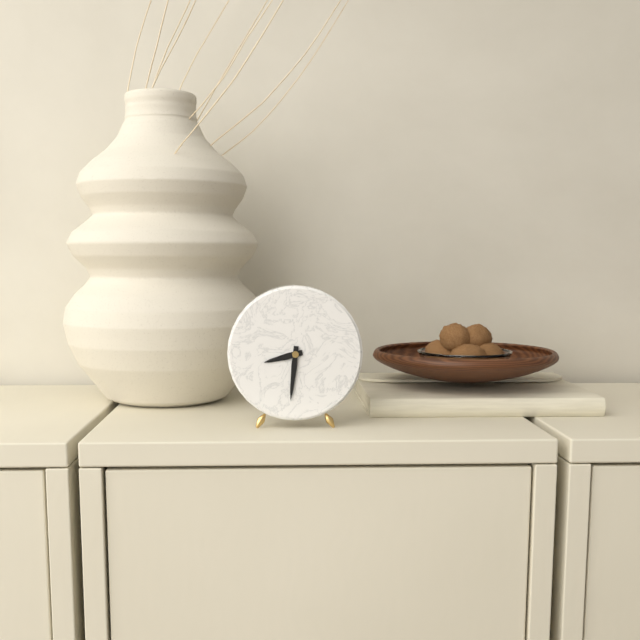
8:31
